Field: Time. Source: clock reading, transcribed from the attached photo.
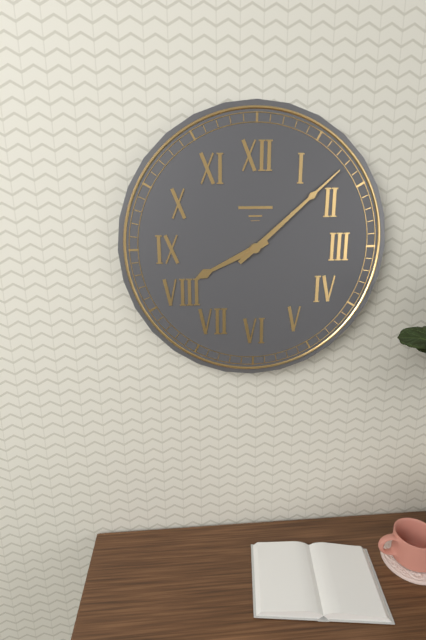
8:08
